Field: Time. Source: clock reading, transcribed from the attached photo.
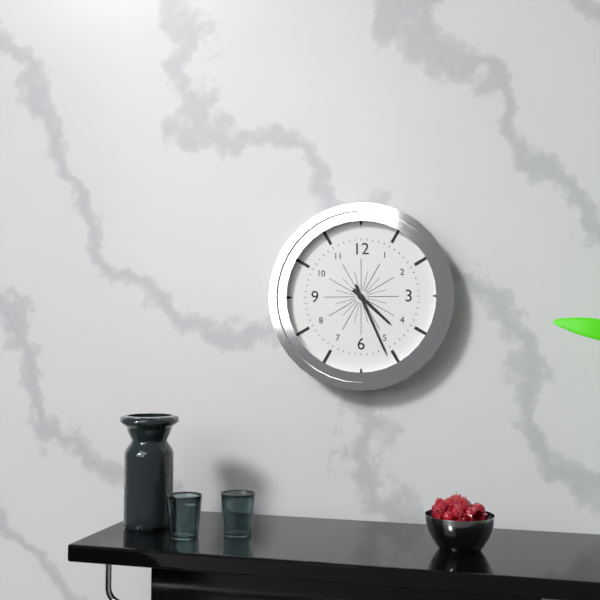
4:26
